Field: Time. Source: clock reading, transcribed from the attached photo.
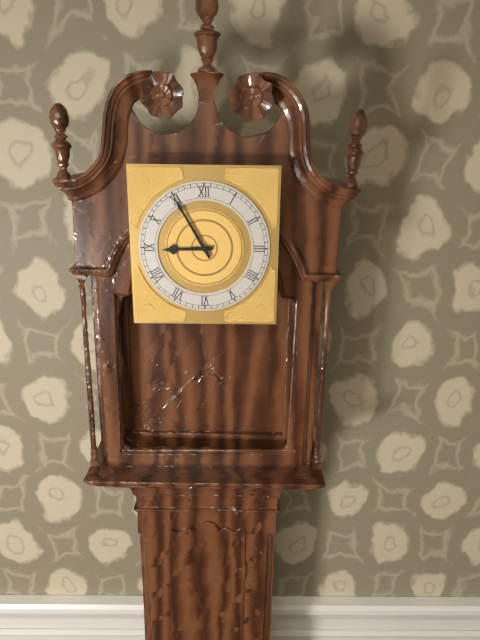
8:55
